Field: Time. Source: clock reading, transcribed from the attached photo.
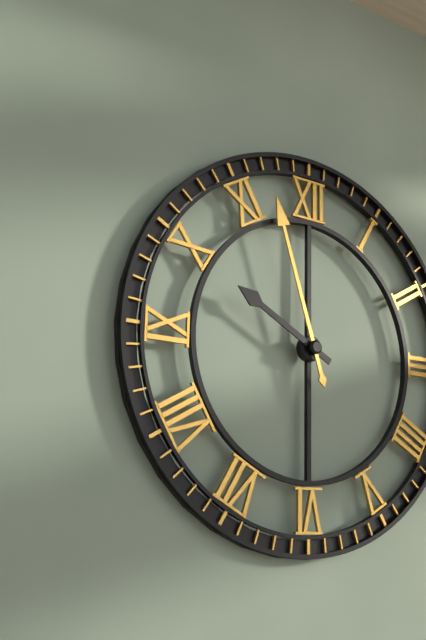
9:57
